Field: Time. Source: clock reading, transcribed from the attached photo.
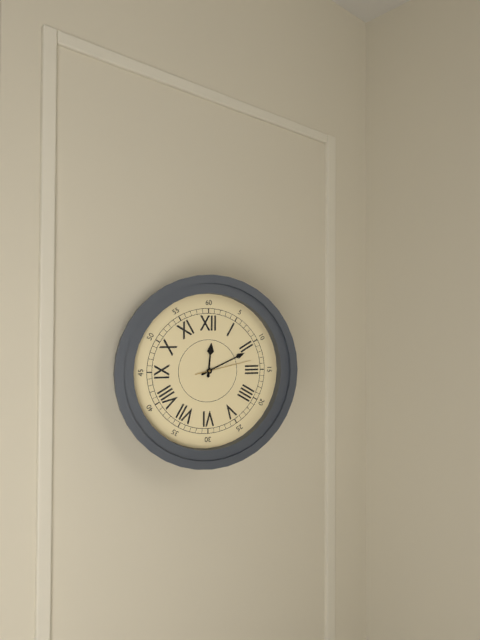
12:11:13
